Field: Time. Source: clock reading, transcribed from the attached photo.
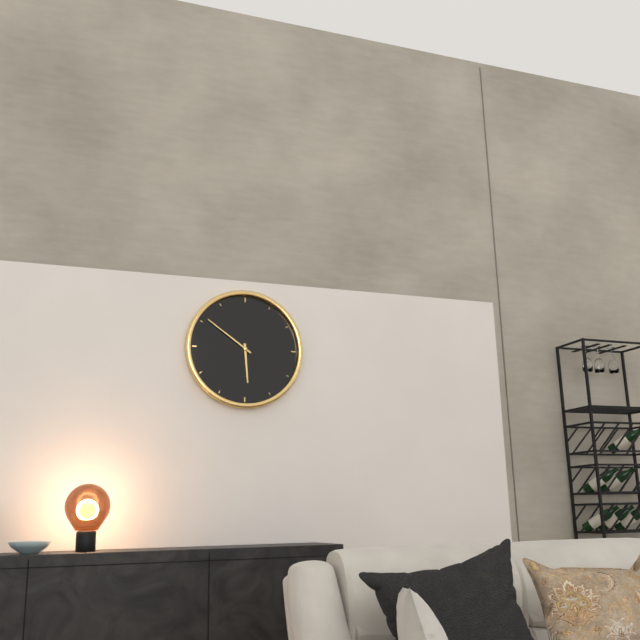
5:51
